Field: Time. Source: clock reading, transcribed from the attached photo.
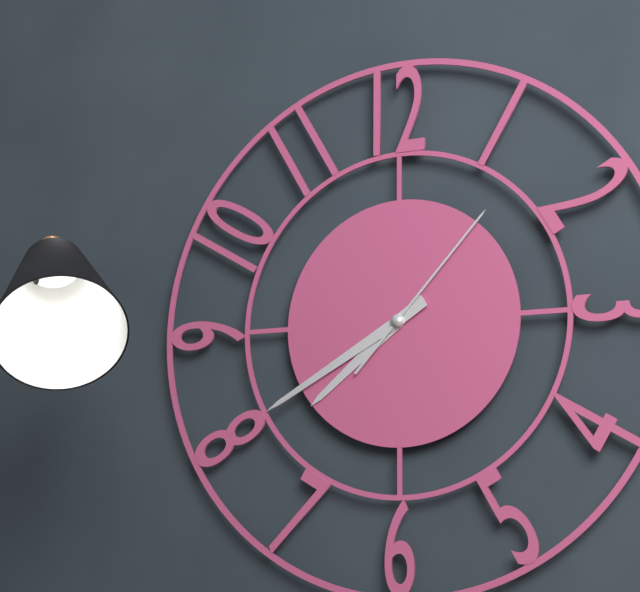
7:40:07
